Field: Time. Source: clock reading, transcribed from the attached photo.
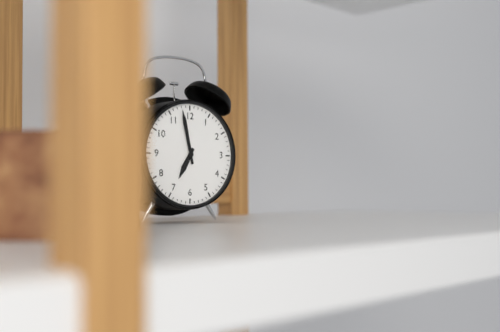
6:58
